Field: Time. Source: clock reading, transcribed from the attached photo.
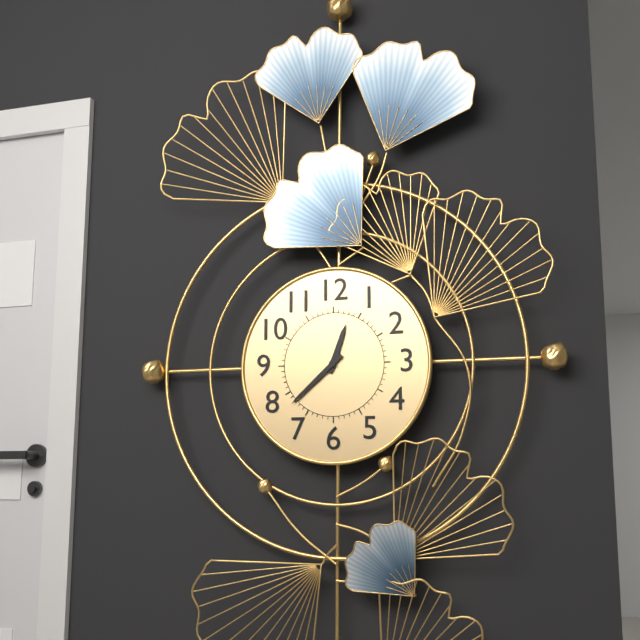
12:38
